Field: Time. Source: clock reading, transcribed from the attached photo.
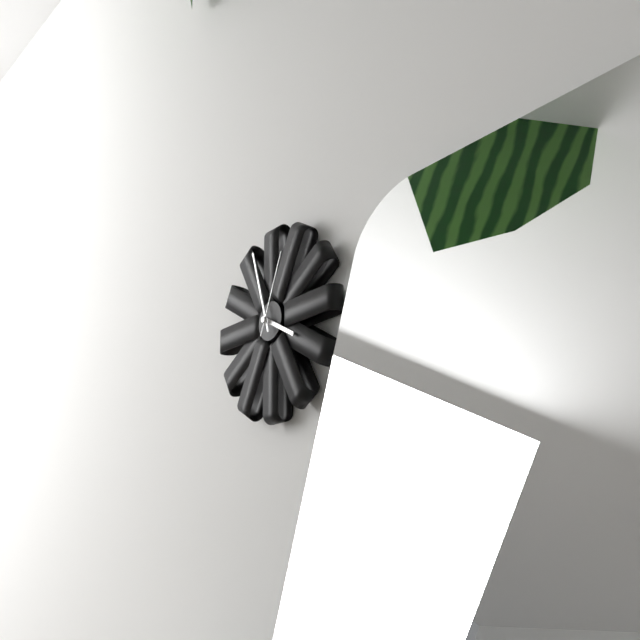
3:57:04
